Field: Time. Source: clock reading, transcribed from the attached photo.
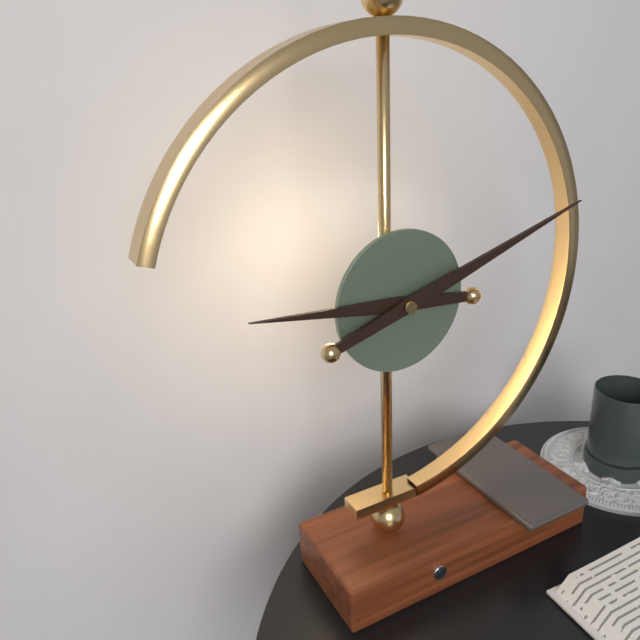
9:12
